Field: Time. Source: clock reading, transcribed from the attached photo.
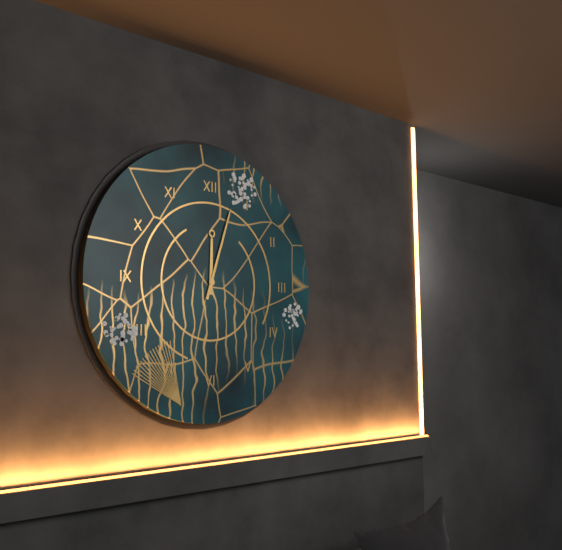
12:03
